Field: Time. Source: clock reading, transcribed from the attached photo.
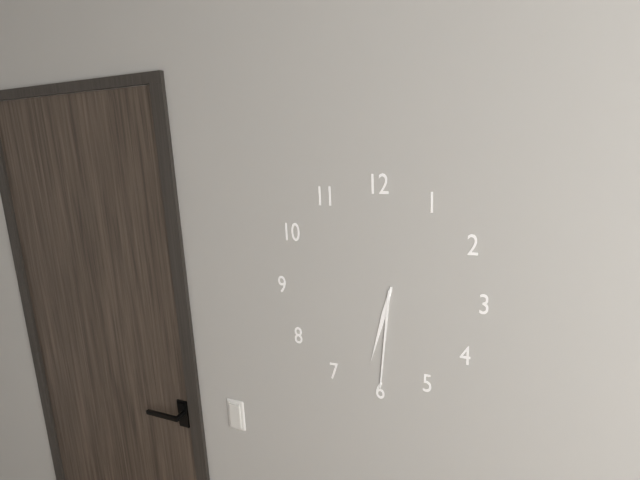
6:31
